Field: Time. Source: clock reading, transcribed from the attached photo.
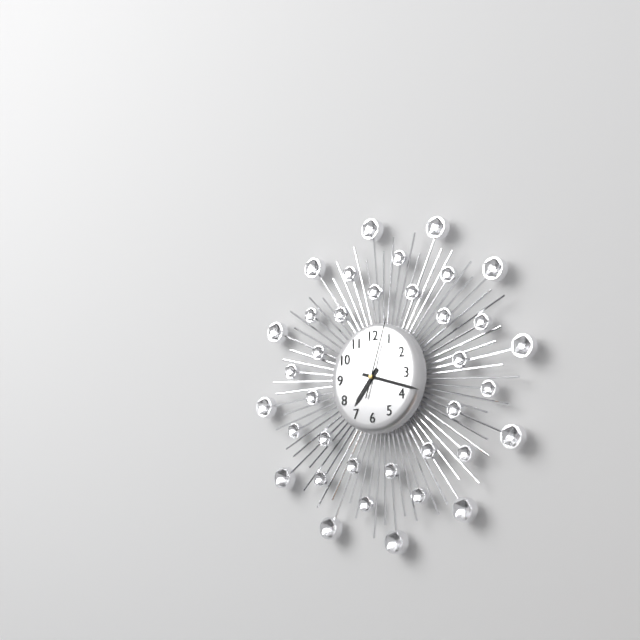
7:18:03
